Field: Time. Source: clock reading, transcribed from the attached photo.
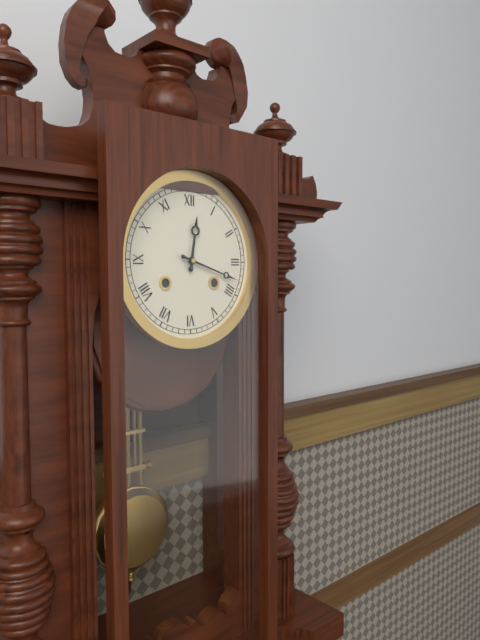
12:18
